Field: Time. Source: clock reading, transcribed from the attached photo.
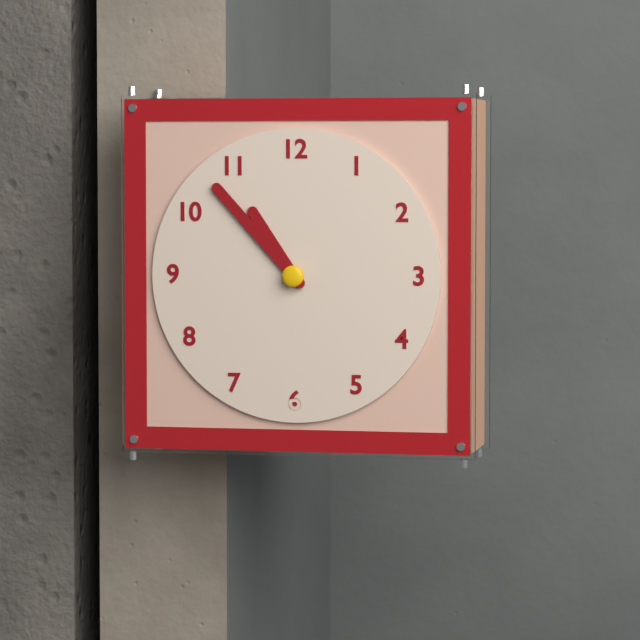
10:53
